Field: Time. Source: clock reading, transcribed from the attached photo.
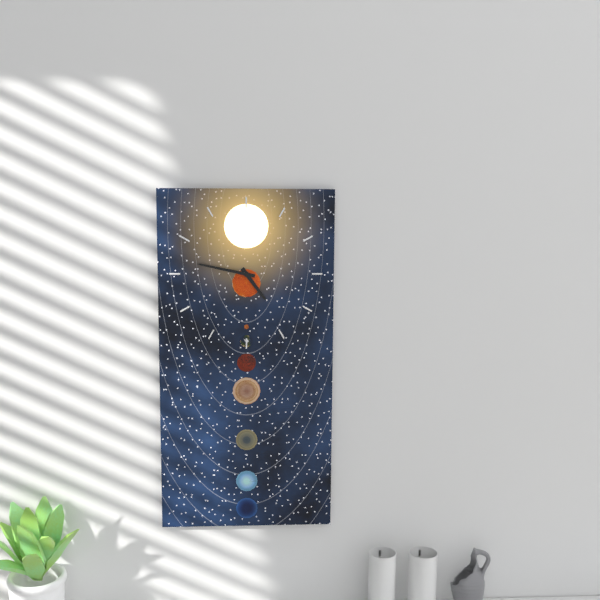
4:47
